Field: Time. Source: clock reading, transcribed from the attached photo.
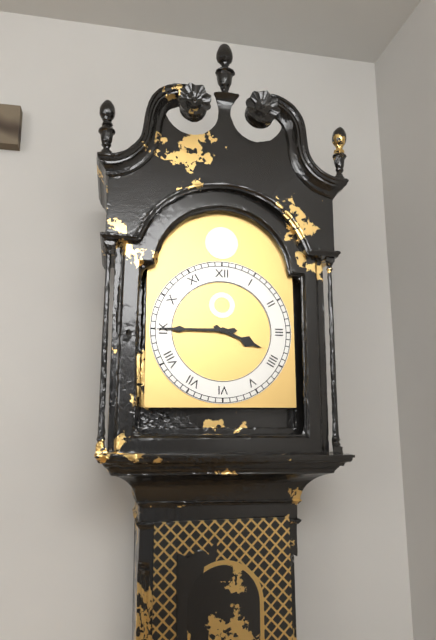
3:45
